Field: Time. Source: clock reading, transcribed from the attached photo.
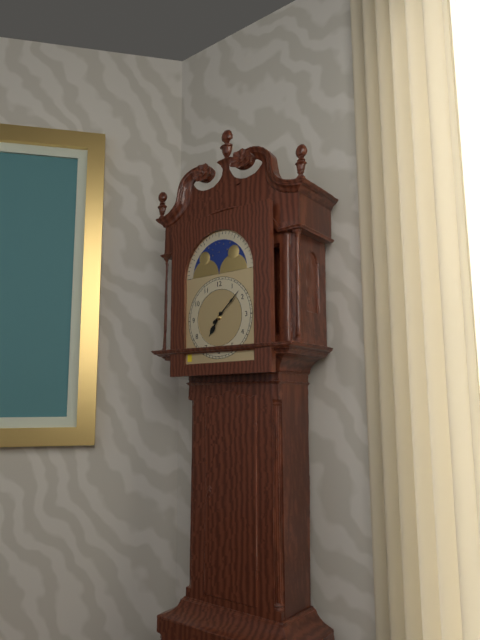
7:08
